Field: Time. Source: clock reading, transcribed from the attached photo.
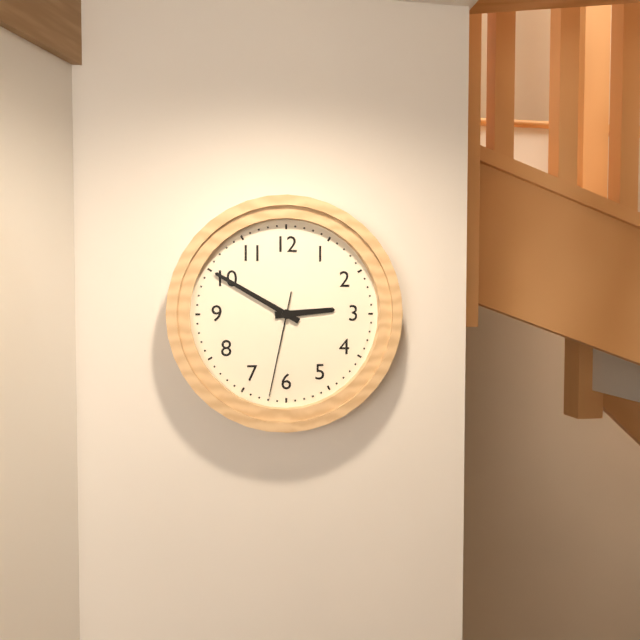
2:50:32
